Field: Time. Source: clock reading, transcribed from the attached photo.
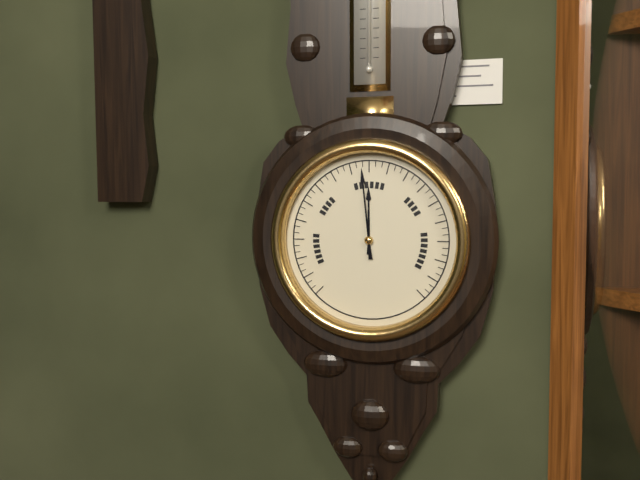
11:59
